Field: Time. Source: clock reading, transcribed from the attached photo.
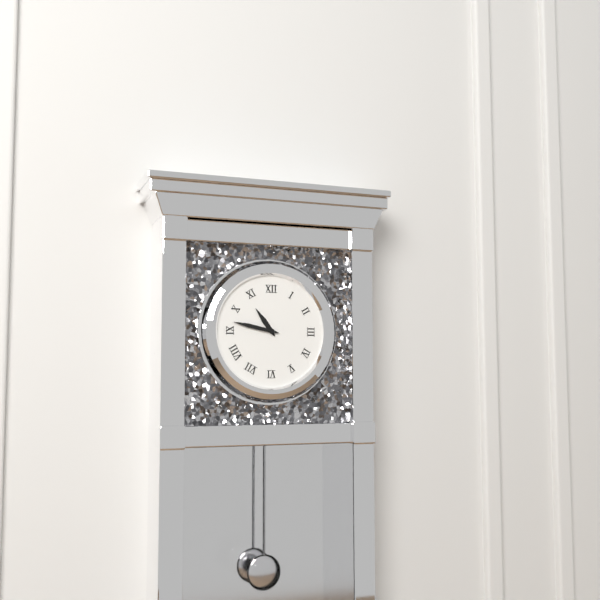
10:47
